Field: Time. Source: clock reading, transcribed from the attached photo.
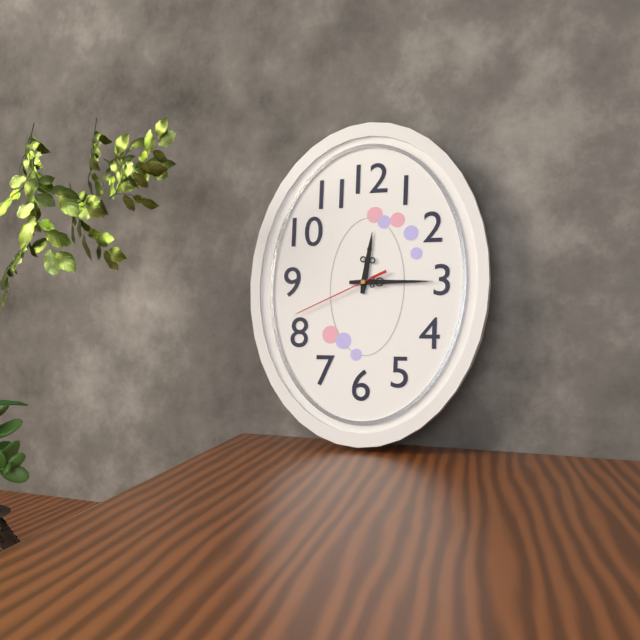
12:15:41
